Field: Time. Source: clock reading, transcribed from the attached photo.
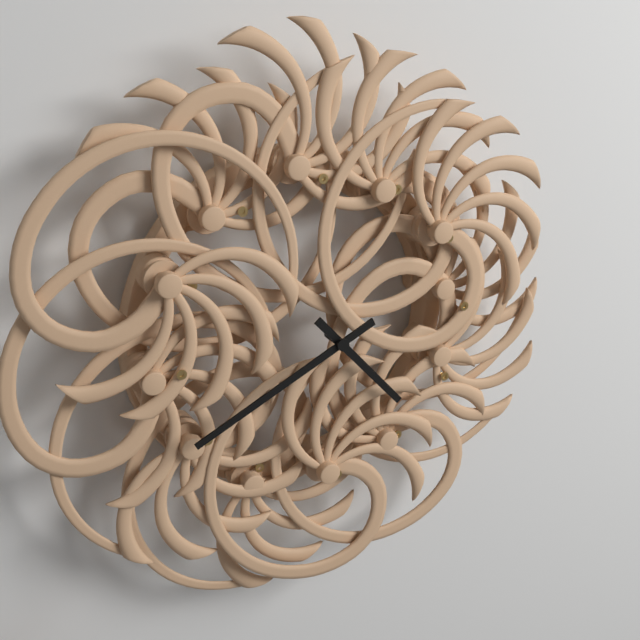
4:41
